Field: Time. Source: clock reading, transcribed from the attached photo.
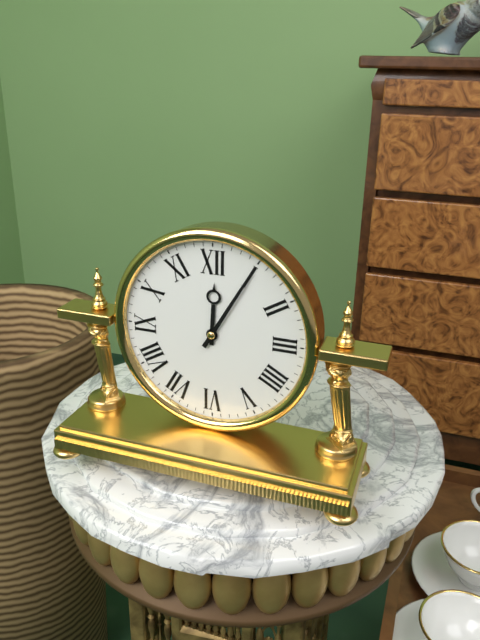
12:05
